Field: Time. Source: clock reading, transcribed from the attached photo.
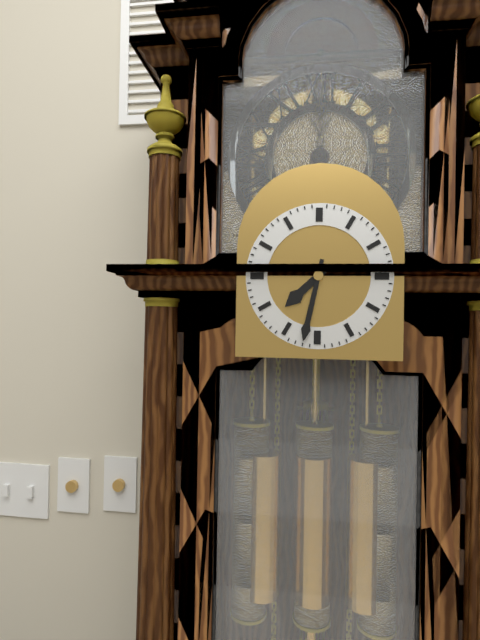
7:32
